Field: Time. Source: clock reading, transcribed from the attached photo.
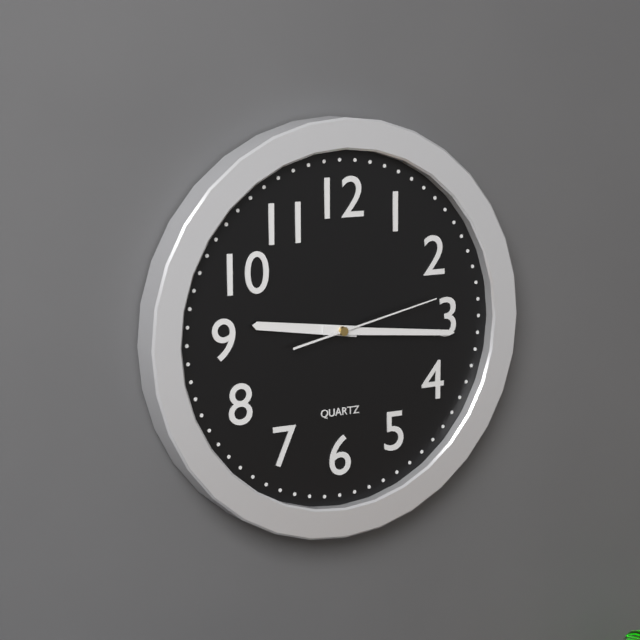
9:16:13
